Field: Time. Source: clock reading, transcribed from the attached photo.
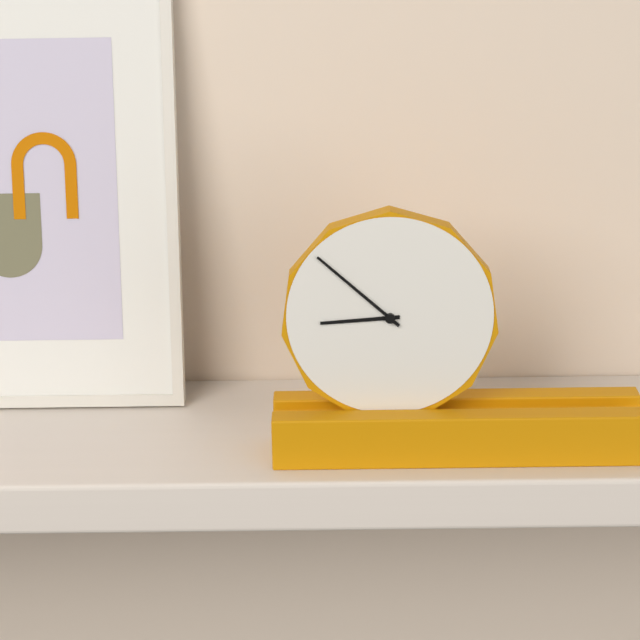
8:52
